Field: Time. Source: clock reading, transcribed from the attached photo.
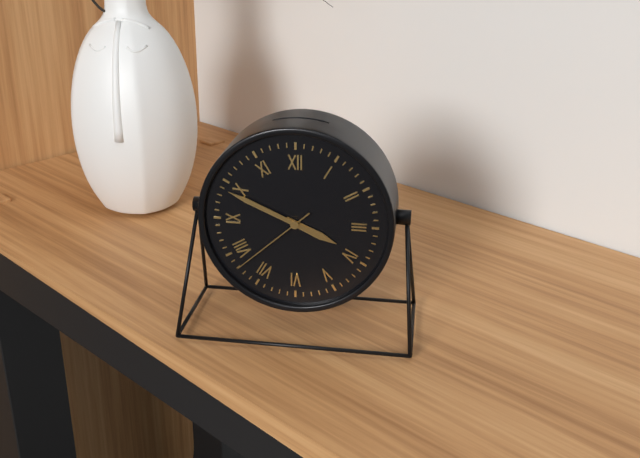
3:49:38
